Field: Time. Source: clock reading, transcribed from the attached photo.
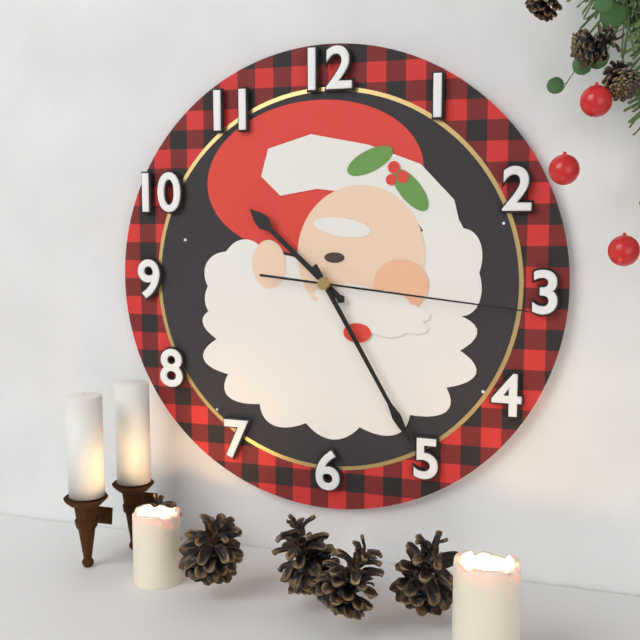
10:25:16
